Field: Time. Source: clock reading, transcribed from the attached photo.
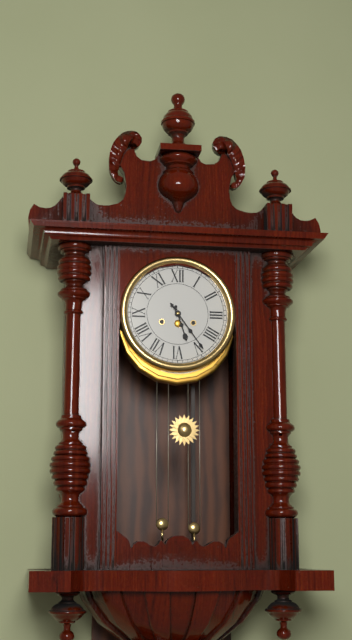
5:24
